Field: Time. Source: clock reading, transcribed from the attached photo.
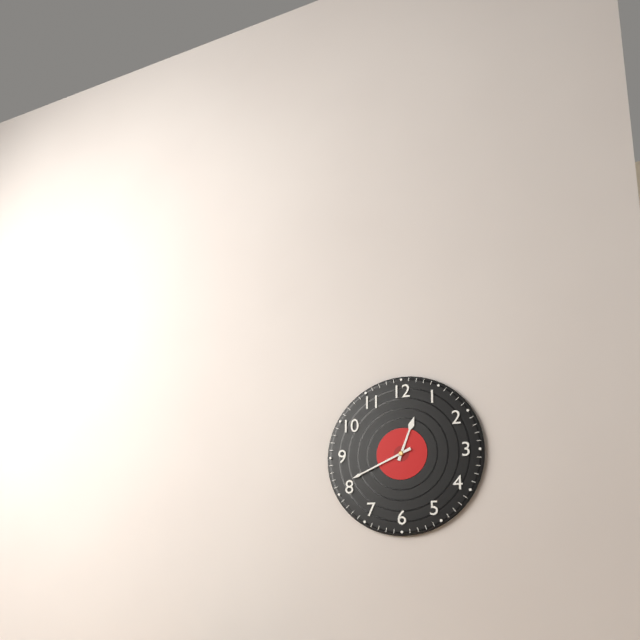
12:41
